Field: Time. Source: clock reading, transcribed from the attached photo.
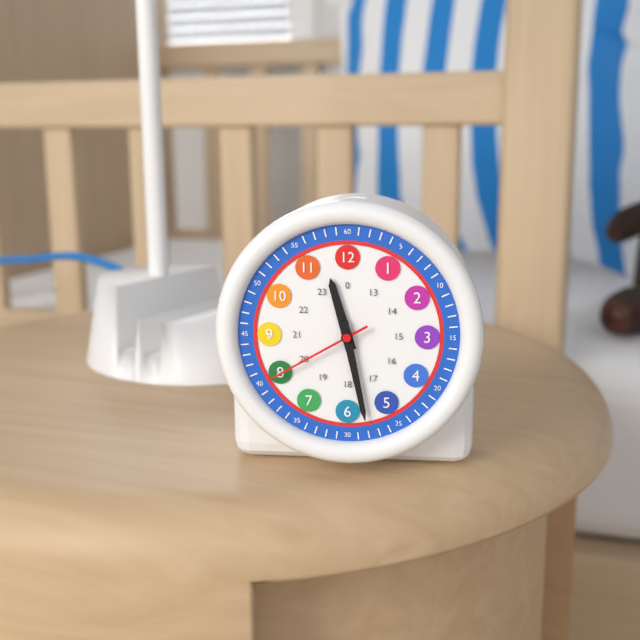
11:28:40
